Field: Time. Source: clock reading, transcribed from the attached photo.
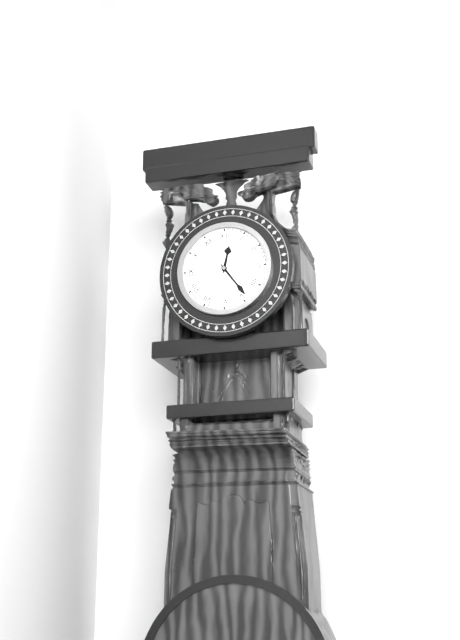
12:24
